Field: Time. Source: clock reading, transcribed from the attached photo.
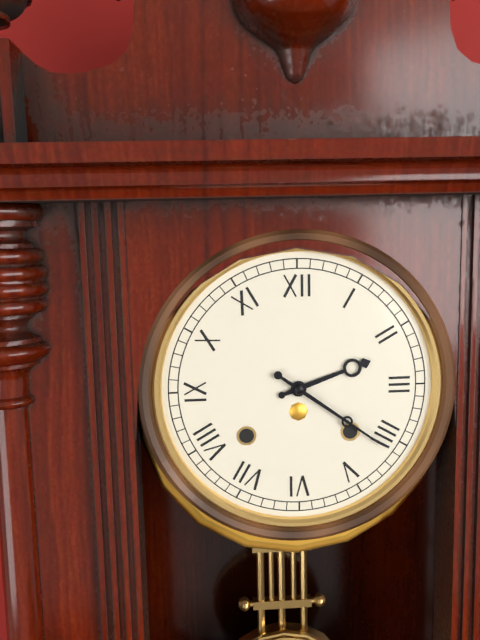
2:21
